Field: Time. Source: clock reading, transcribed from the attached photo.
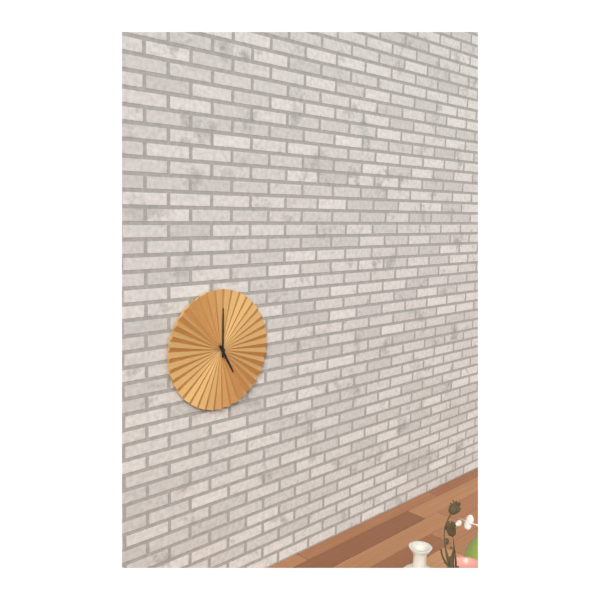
5:00
